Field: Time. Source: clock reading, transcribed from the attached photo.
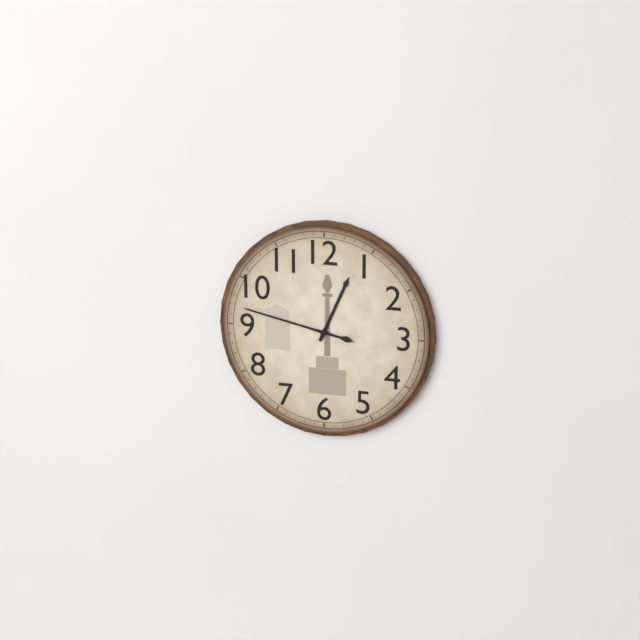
12:47
